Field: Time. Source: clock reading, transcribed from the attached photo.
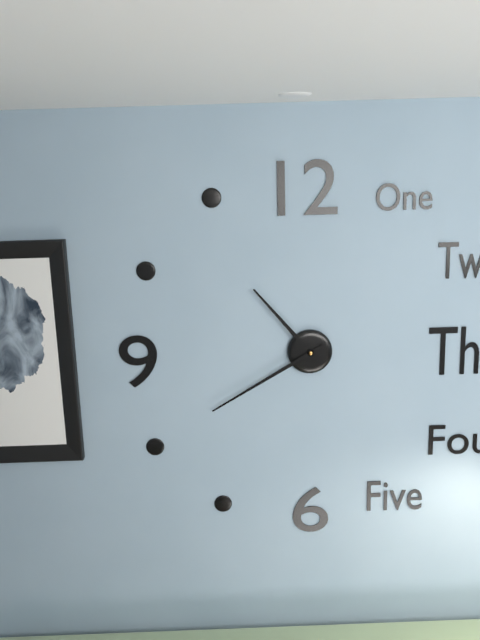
10:40
